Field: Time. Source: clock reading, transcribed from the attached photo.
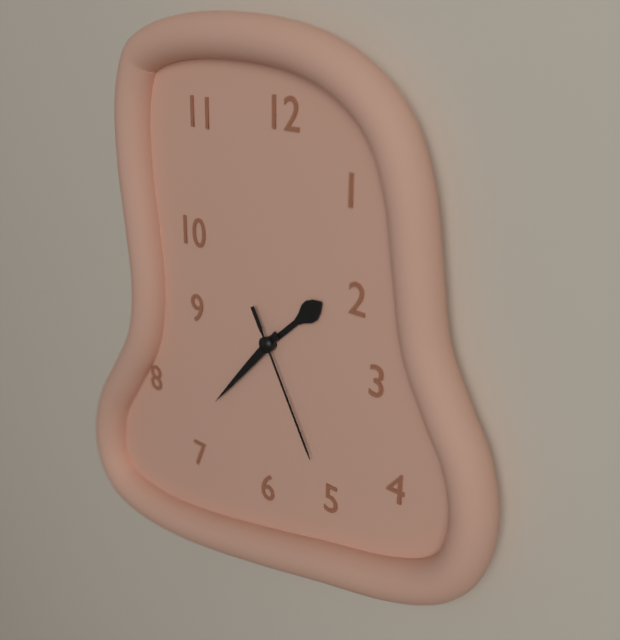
1:37:25
